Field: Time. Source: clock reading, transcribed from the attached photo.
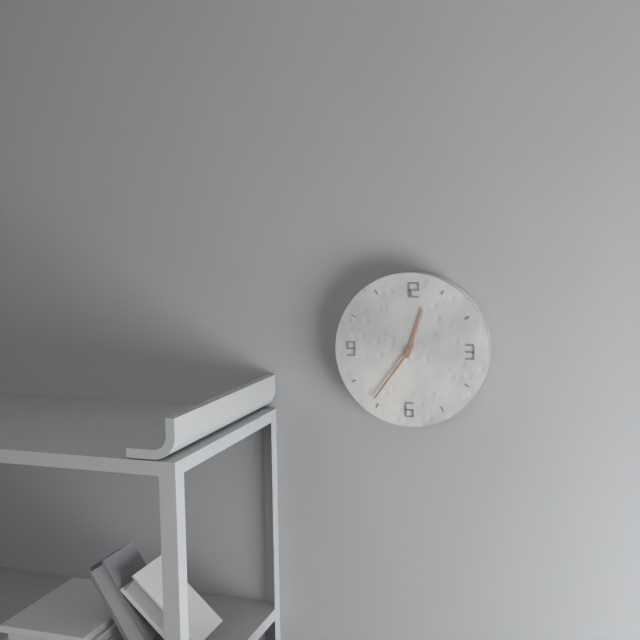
12:36
